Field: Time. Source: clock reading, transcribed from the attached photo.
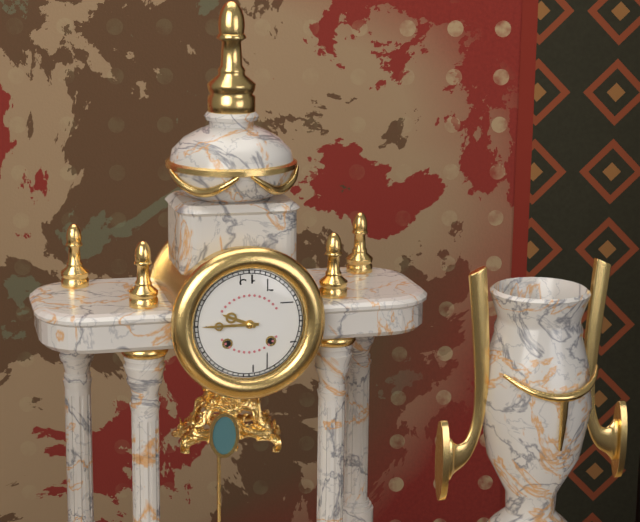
9:45
